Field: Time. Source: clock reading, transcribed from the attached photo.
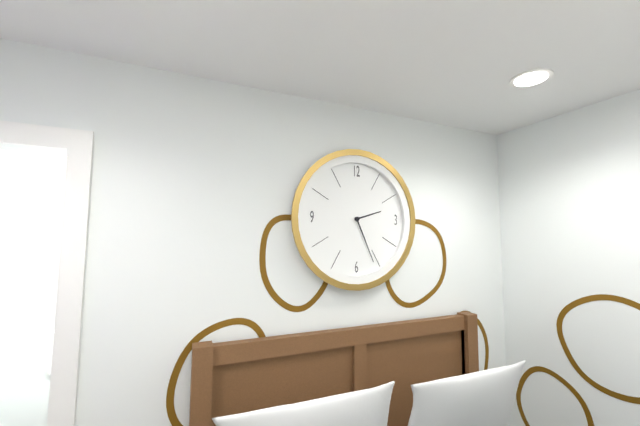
2:26
